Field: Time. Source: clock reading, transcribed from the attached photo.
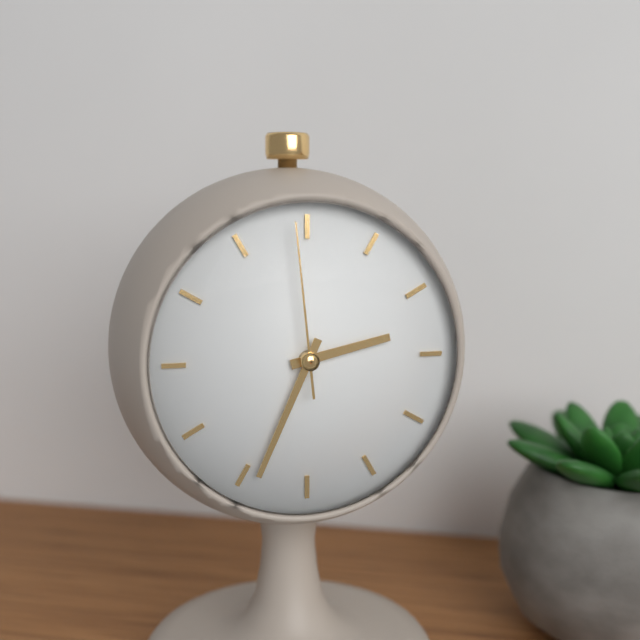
2:34:59
